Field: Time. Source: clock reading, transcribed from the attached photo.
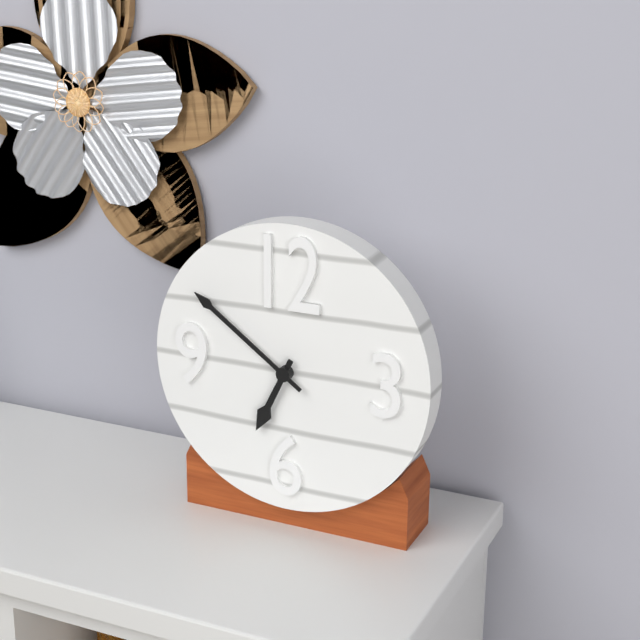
6:51
